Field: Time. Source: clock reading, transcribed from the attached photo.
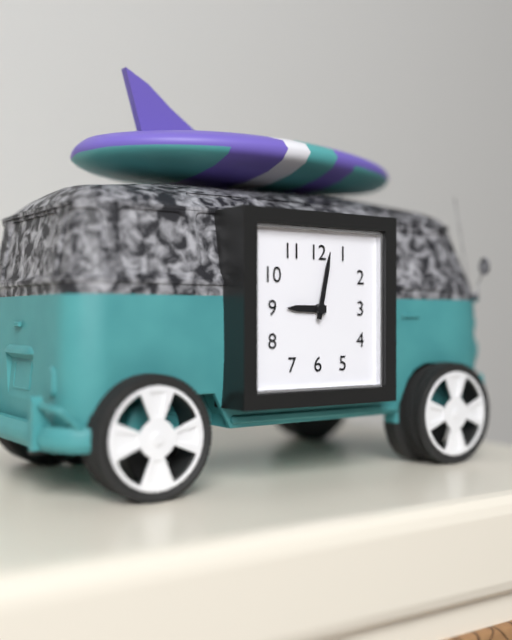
9:02
